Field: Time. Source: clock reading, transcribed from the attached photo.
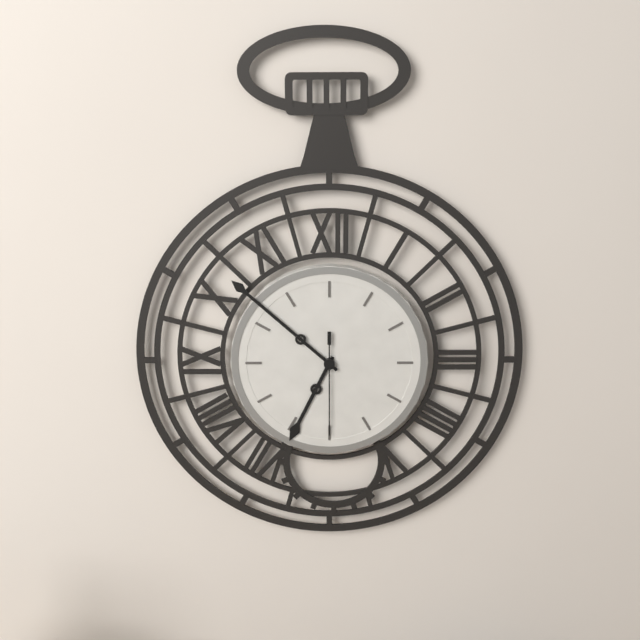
6:52:30
